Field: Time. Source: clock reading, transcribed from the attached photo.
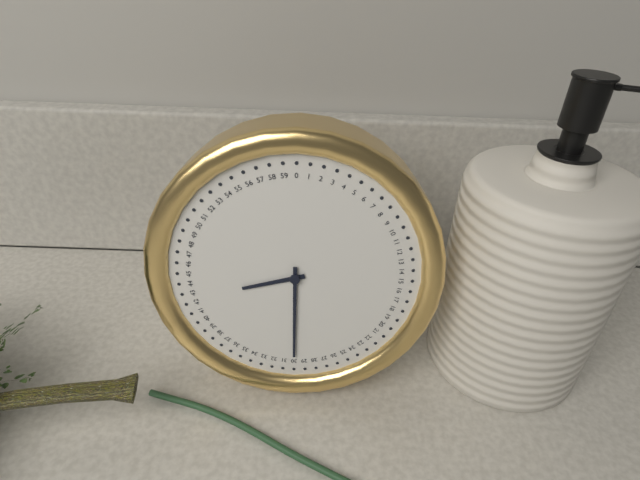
8:30
